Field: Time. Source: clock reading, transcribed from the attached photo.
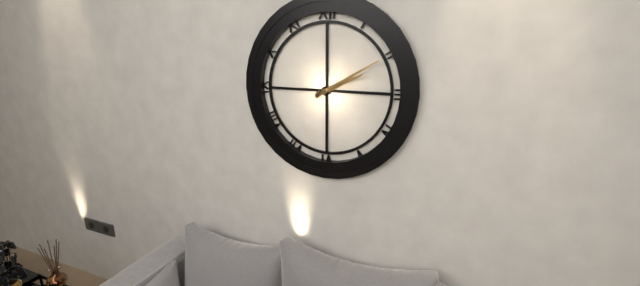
2:10
